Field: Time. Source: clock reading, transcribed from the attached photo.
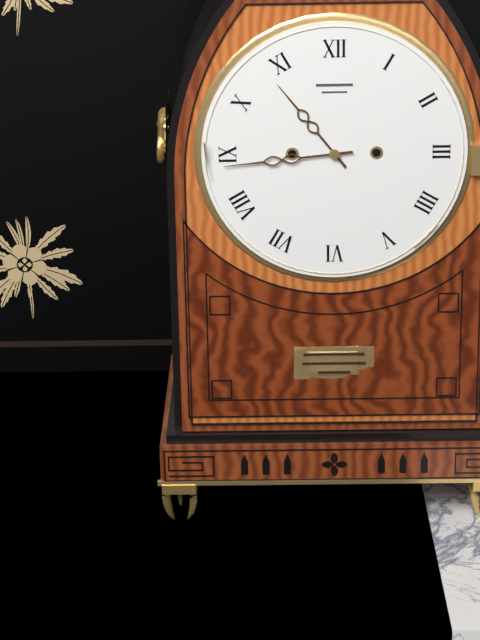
10:44
